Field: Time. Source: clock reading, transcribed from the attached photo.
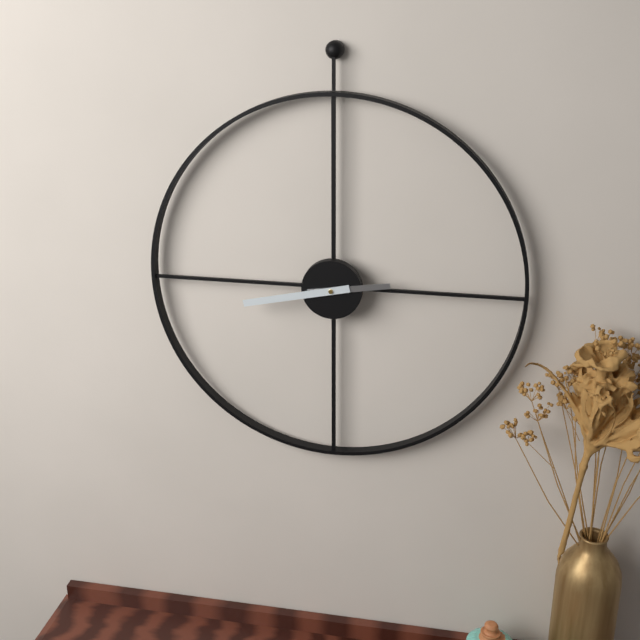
2:43
